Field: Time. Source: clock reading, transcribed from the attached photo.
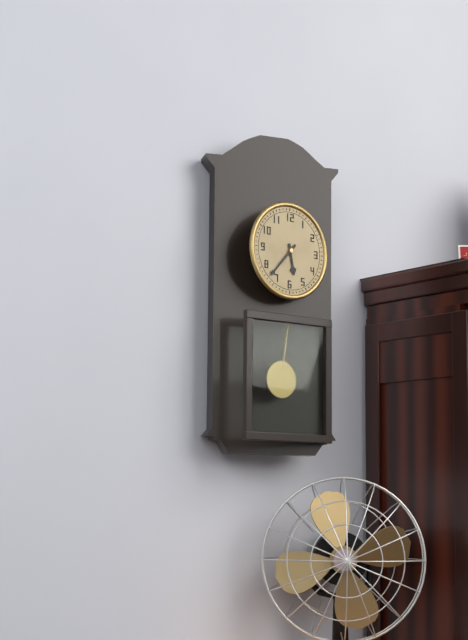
5:37
